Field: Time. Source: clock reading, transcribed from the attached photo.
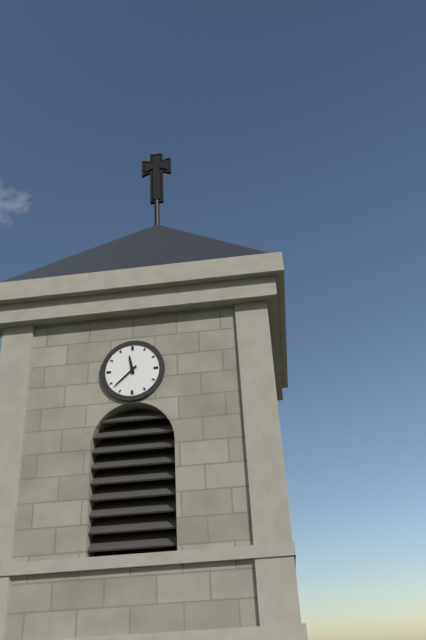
11:38
